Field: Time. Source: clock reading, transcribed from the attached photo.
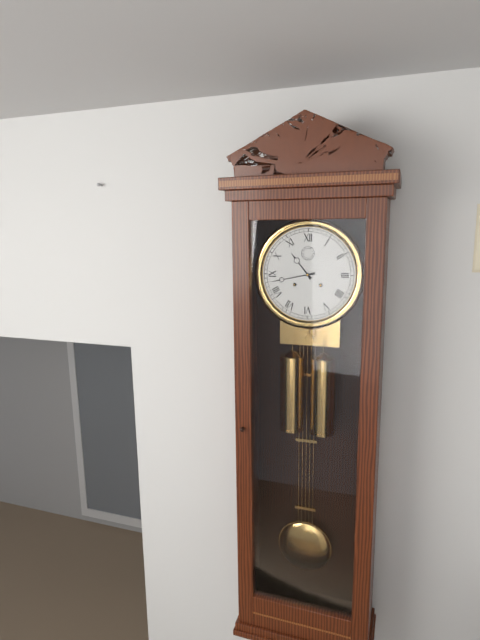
10:43
